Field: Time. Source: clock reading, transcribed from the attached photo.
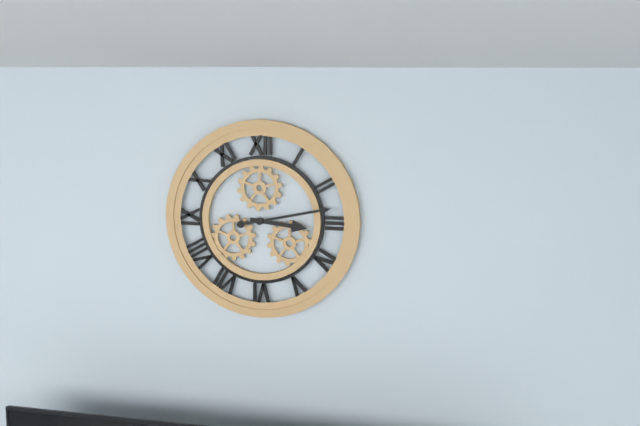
3:13
